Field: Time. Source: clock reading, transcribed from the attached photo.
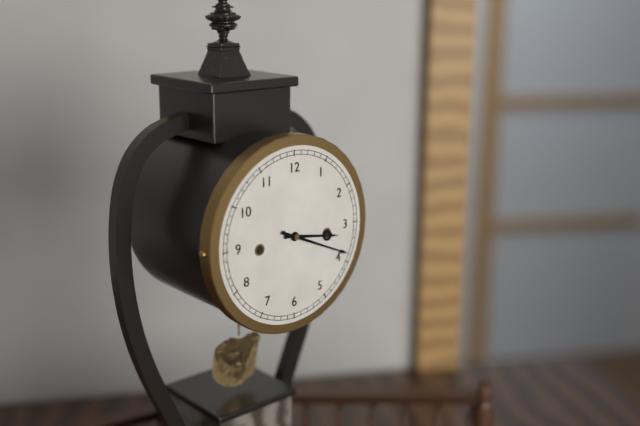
3:19
